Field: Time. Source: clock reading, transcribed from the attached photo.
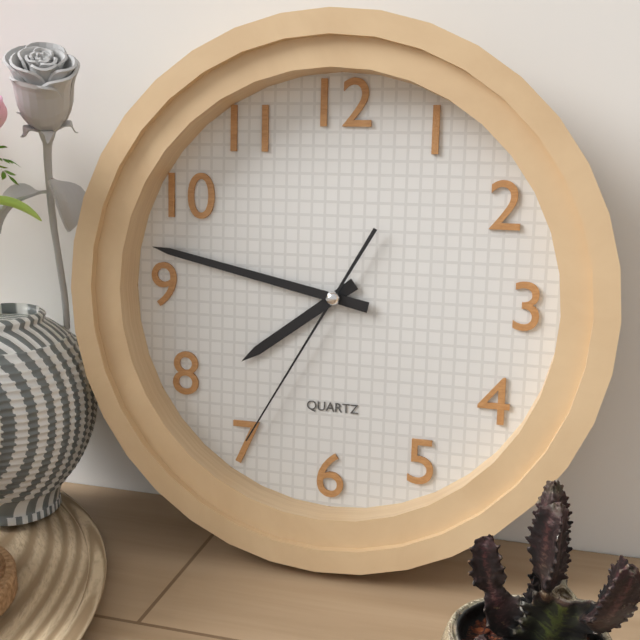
7:47:35
